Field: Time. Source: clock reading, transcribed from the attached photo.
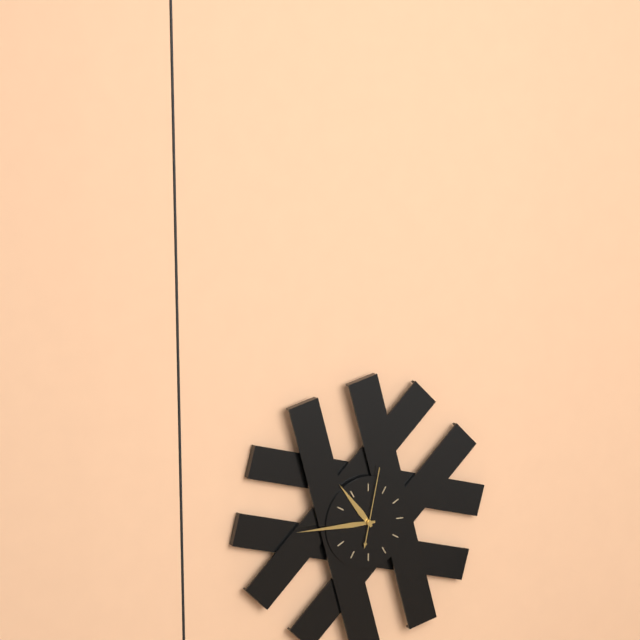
10:45:02
